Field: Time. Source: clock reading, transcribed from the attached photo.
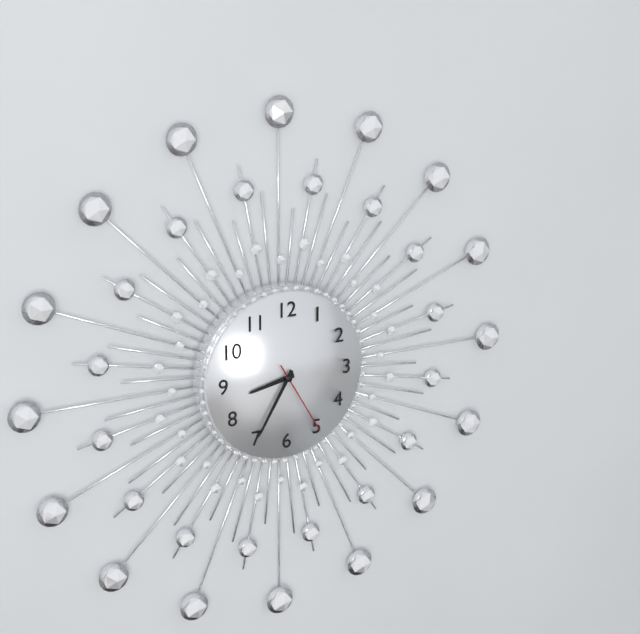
8:35:25
